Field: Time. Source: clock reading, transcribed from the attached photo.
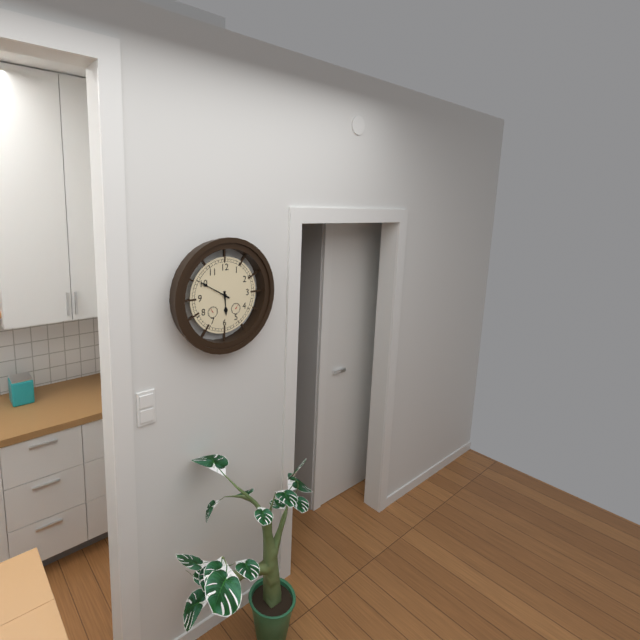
5:50
